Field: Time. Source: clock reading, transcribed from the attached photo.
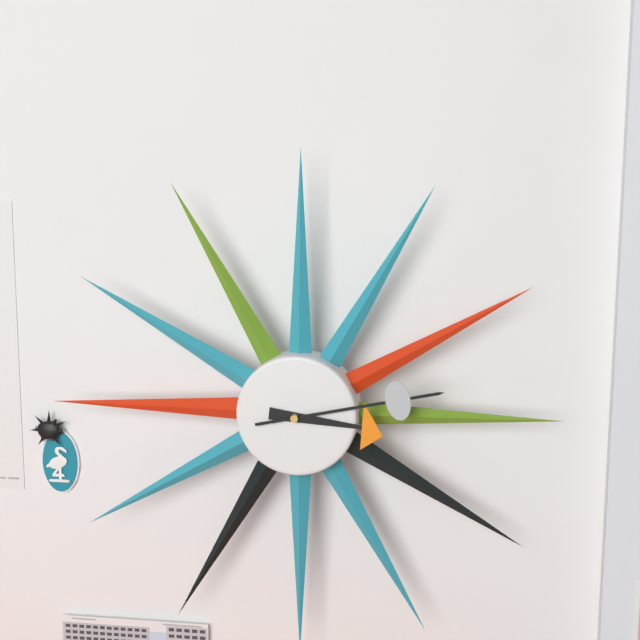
3:13
